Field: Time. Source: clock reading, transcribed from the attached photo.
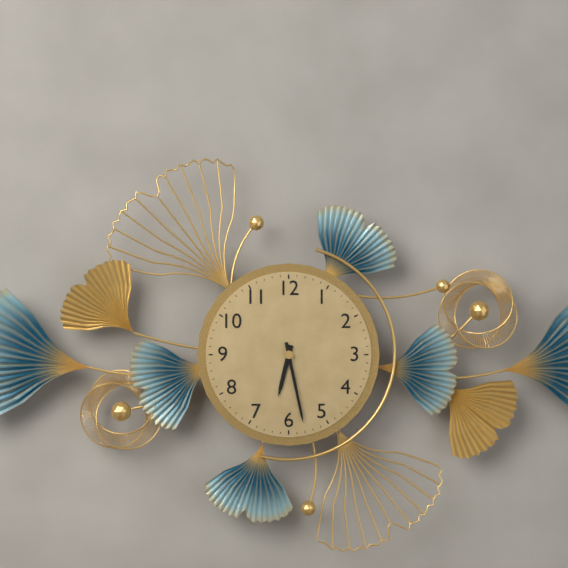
6:28
